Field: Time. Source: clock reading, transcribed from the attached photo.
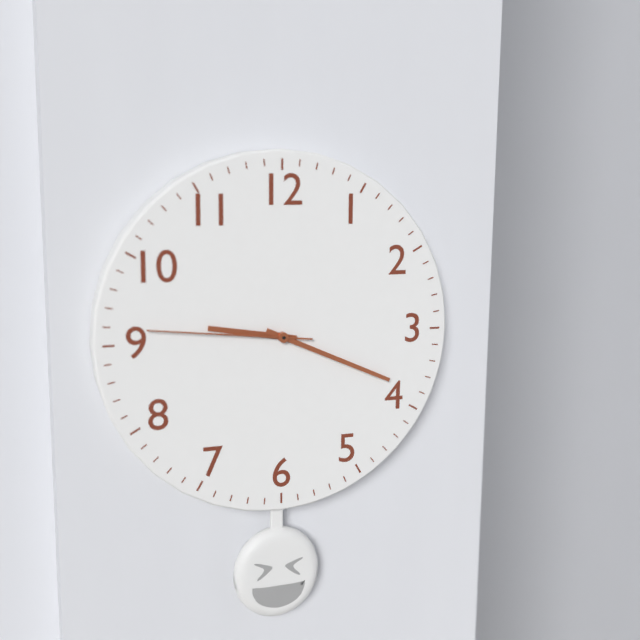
9:19:46
